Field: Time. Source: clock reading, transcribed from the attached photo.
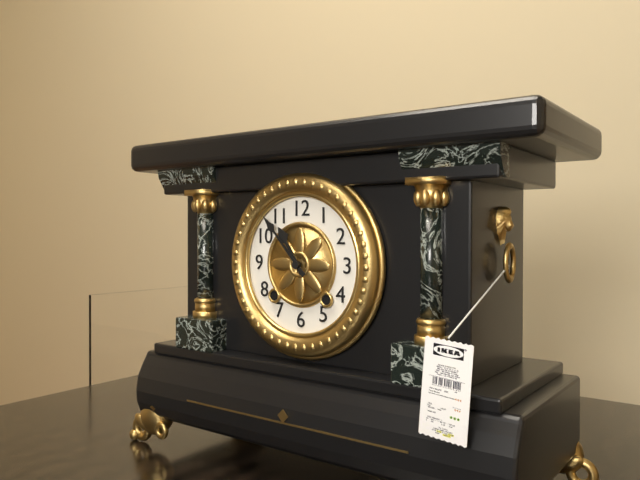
10:53
